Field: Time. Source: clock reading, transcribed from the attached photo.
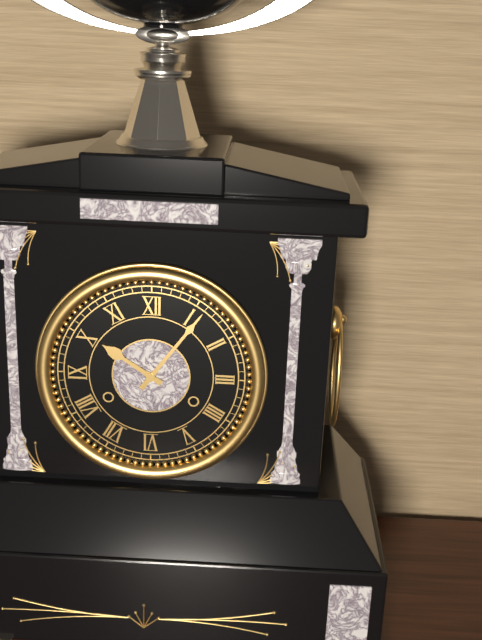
10:06
